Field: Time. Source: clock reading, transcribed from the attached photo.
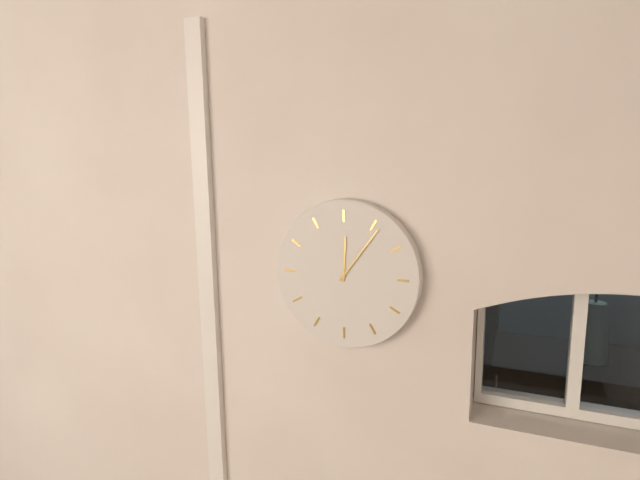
12:06
